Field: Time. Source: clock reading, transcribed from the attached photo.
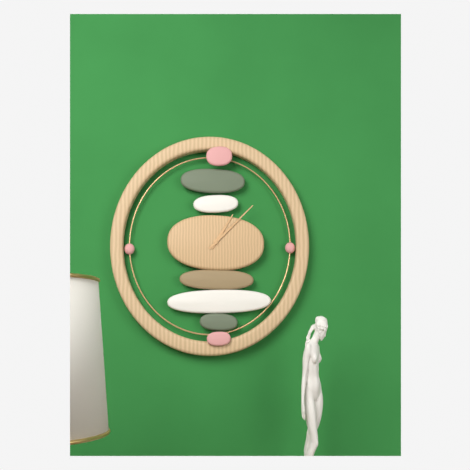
1:08
